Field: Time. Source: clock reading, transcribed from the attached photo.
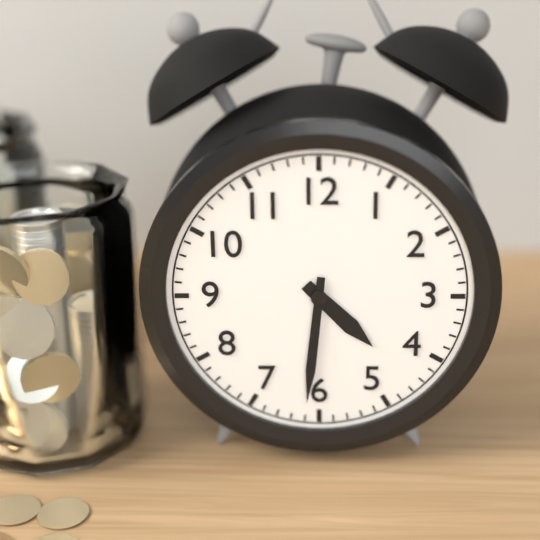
4:31
